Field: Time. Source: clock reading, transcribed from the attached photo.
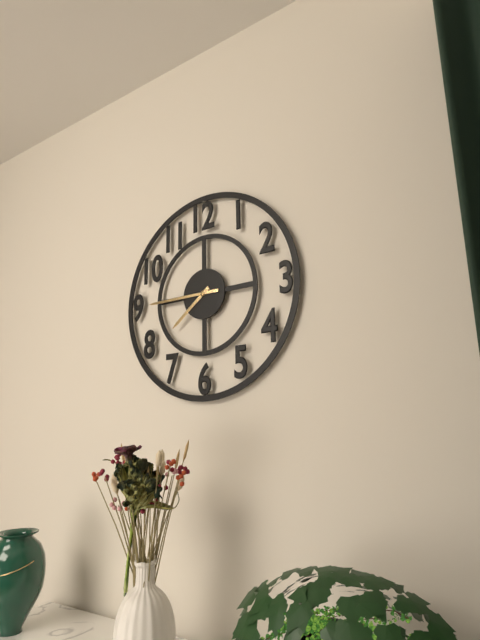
7:45
